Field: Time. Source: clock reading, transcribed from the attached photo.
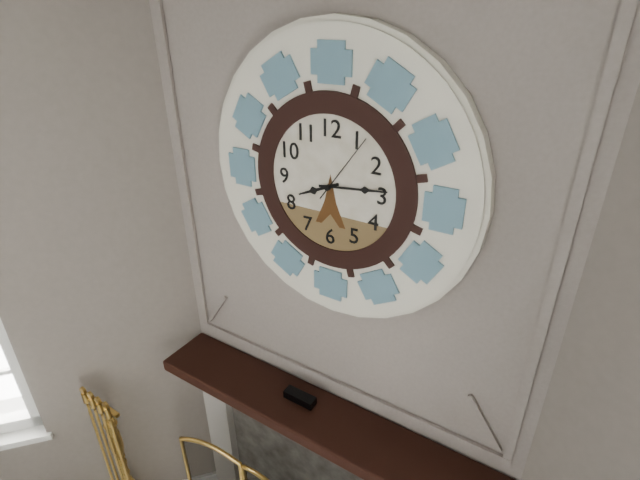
8:14:06
